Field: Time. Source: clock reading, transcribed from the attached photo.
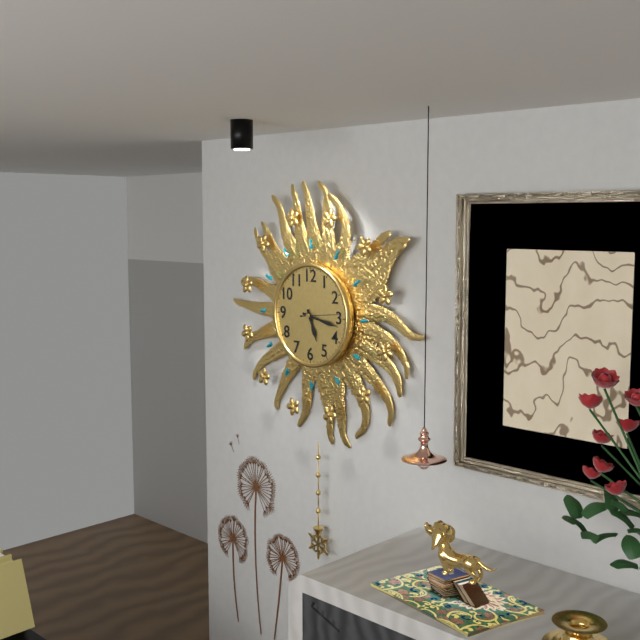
5:17
